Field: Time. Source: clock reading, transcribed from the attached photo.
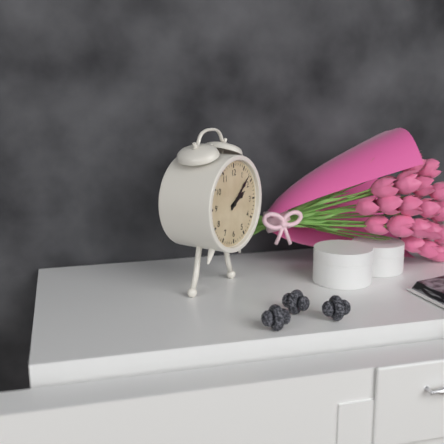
2:08
